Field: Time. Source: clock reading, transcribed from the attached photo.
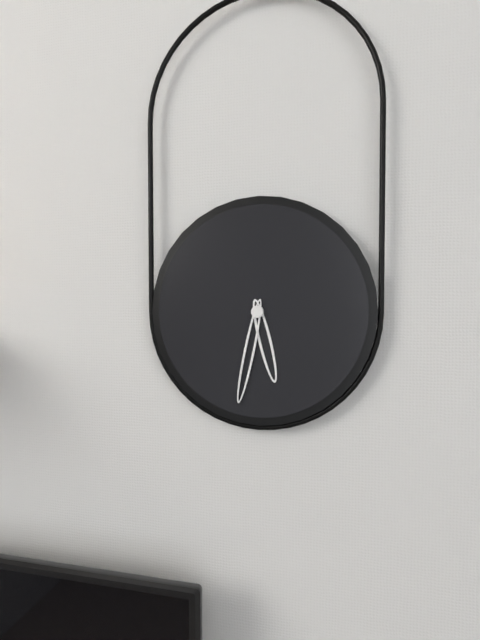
5:32
